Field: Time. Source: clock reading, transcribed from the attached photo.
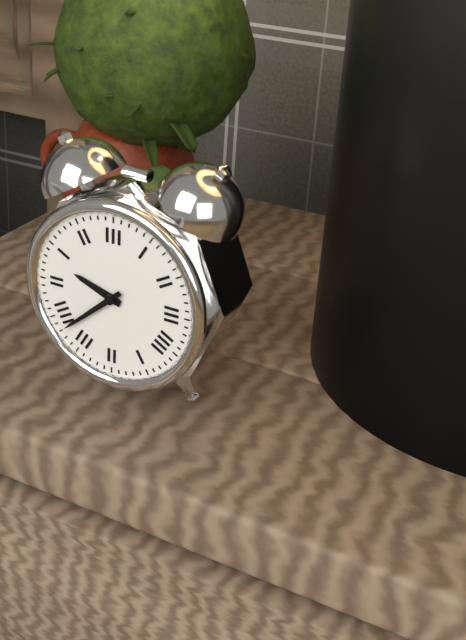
9:38
